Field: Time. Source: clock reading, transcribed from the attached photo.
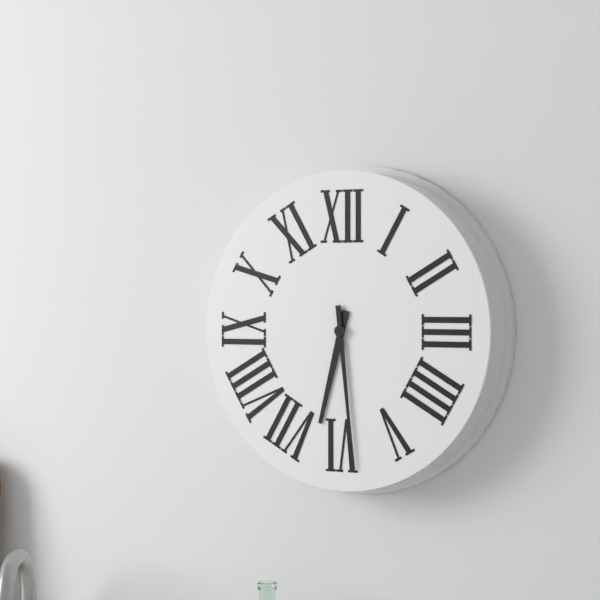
6:29
